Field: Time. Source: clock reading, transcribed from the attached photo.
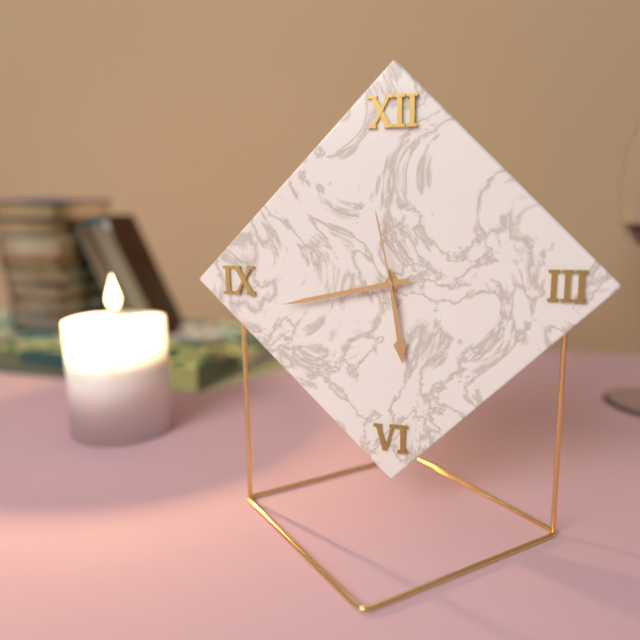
5:43:58
